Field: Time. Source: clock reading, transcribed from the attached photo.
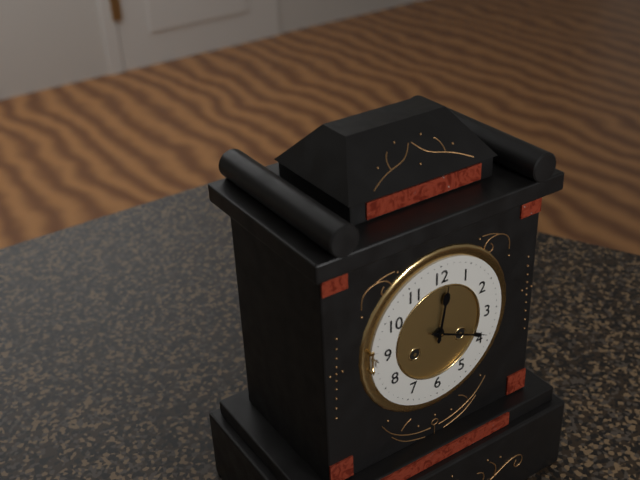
12:19
